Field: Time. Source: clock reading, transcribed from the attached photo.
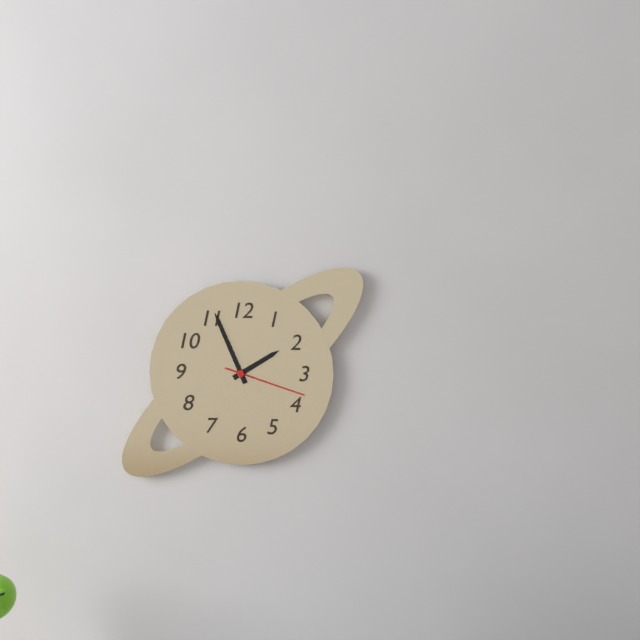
1:56:18
